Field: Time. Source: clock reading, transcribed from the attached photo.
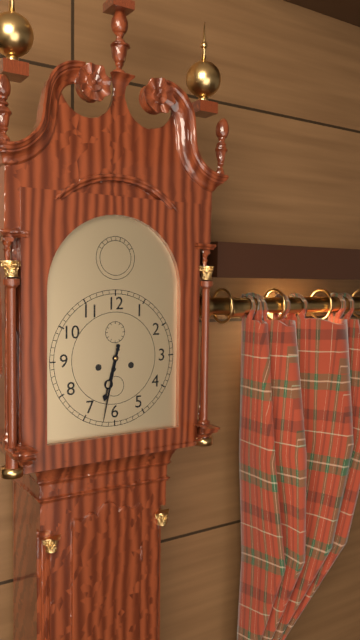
6:32
